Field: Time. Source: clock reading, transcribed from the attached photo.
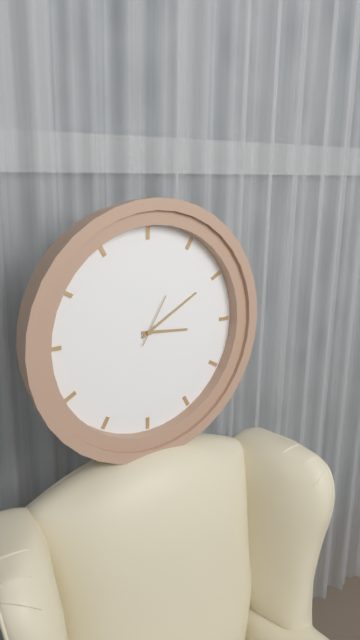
3:10:05
